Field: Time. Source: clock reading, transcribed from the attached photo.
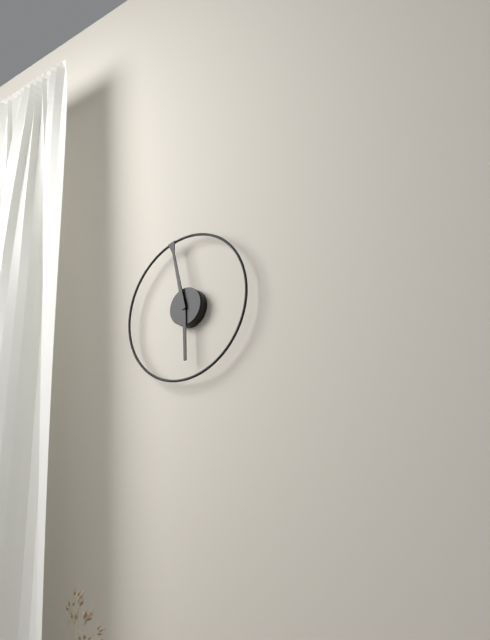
5:58
